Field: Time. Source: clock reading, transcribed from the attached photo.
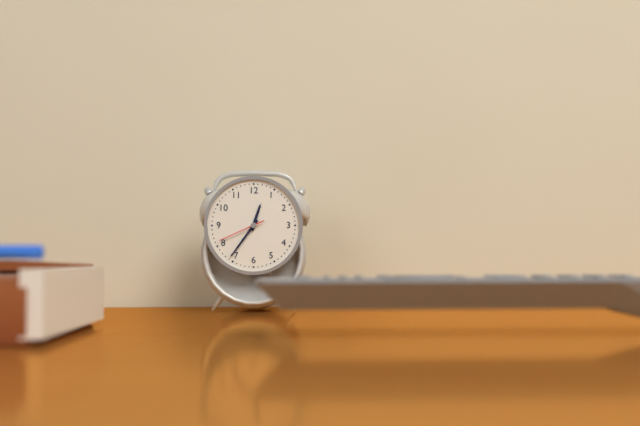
12:36
